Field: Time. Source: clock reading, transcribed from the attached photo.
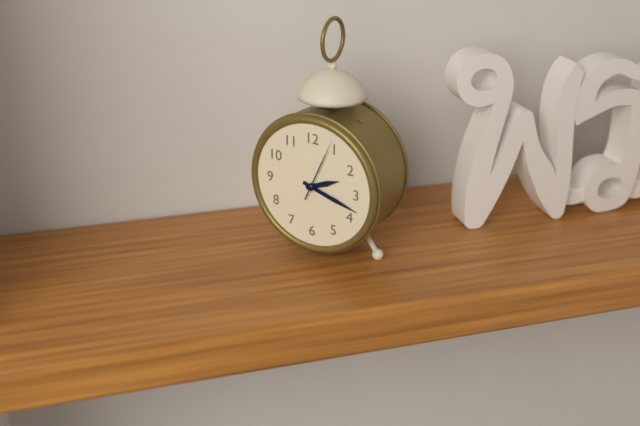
2:18:04
